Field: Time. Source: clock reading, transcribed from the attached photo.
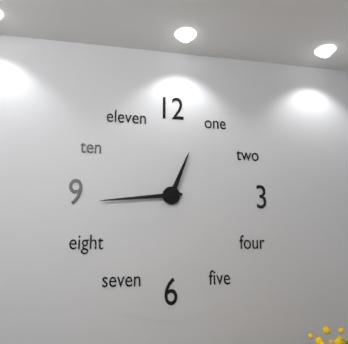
12:44
